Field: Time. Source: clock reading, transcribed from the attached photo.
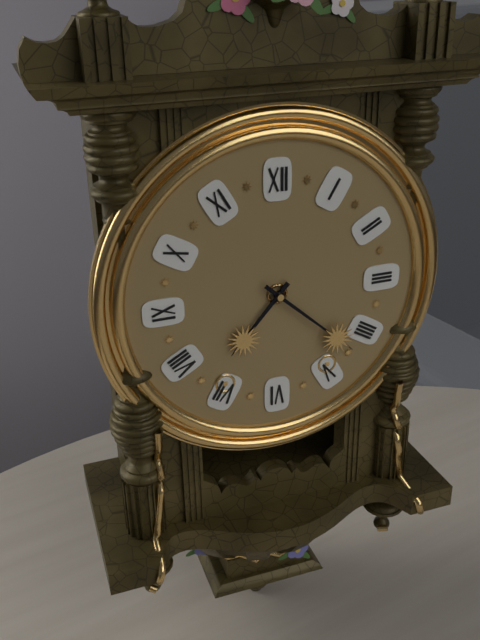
7:22
